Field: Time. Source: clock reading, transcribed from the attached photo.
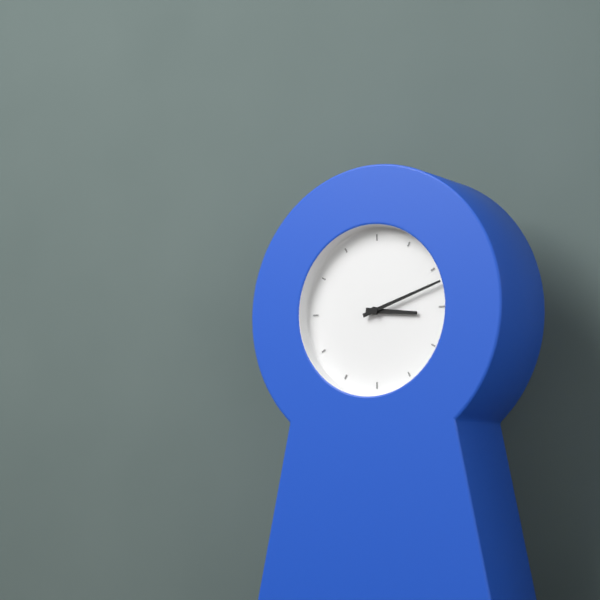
3:12
